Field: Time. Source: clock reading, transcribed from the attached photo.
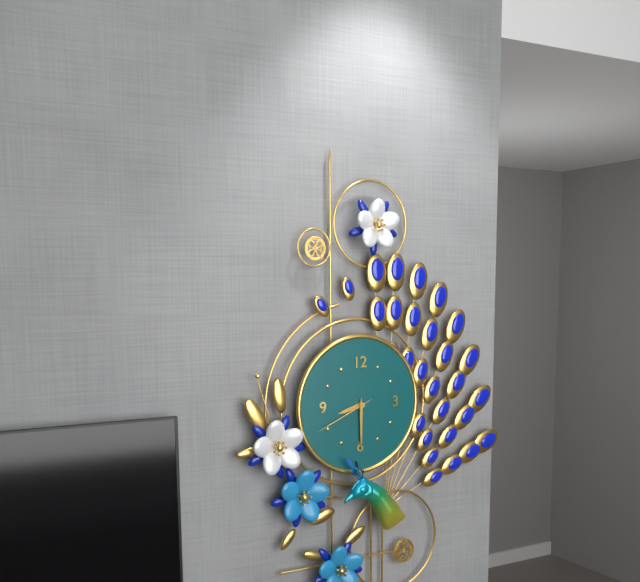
8:30:41
